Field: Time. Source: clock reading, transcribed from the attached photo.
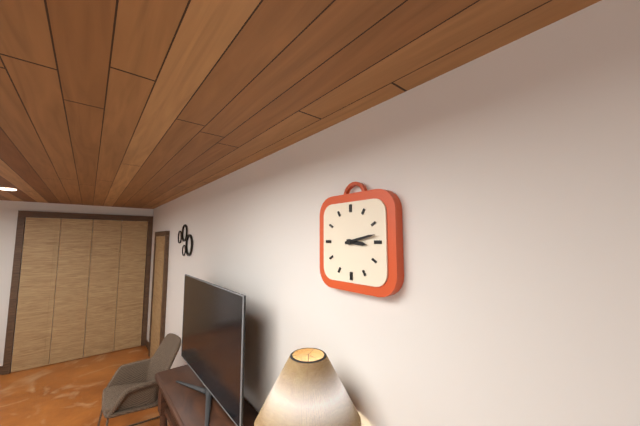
3:13
